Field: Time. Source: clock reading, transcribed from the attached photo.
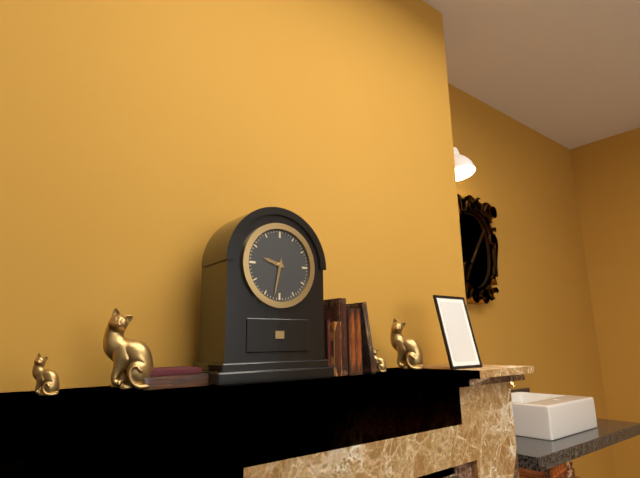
9:32
